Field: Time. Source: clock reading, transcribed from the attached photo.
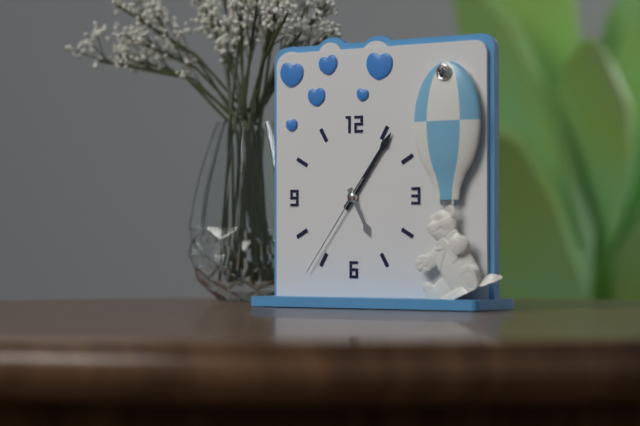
5:06:36
